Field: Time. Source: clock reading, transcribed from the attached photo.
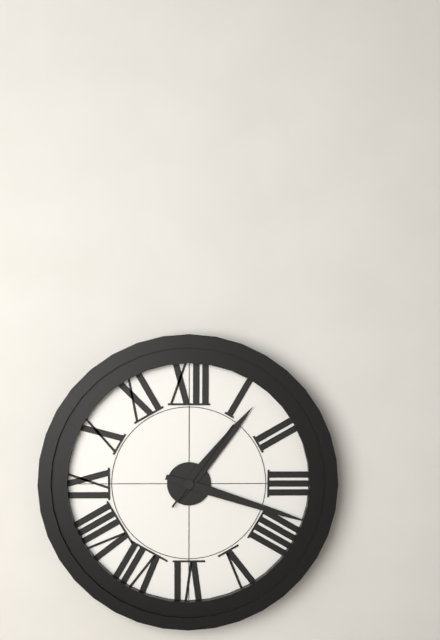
1:18:06
